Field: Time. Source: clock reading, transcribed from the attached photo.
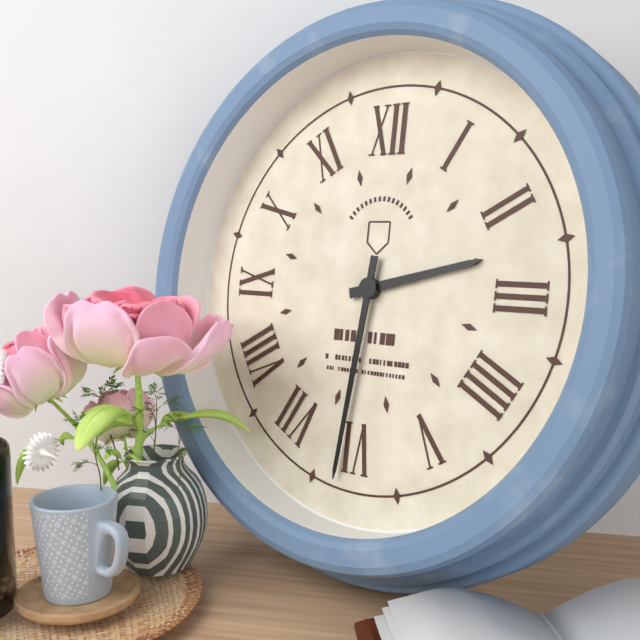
2:31
